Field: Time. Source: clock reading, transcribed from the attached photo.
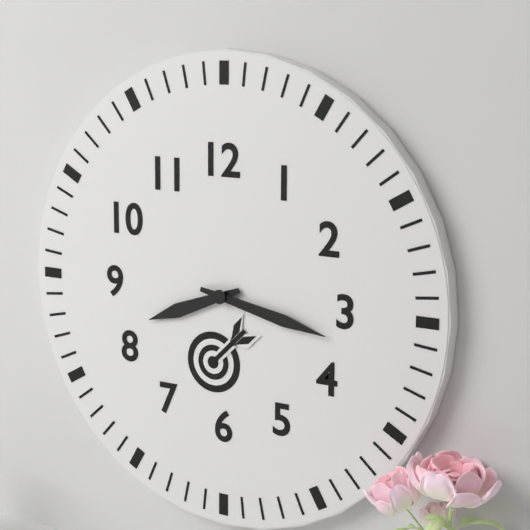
8:17
